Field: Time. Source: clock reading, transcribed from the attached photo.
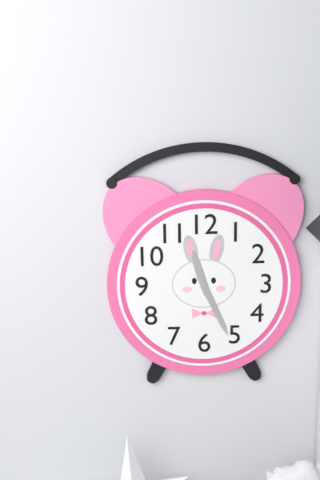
11:26
